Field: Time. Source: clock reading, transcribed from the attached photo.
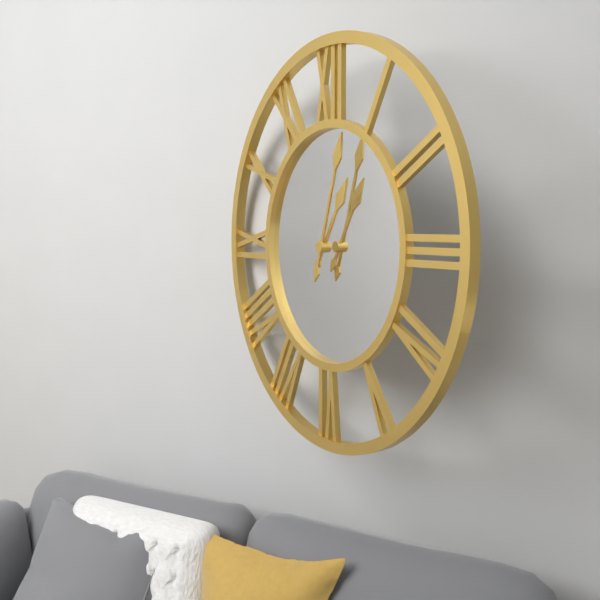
1:03
